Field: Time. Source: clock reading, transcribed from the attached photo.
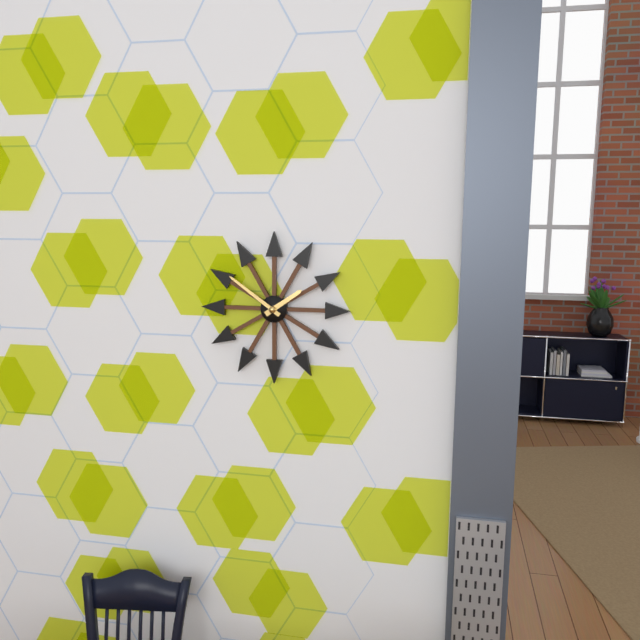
1:51
